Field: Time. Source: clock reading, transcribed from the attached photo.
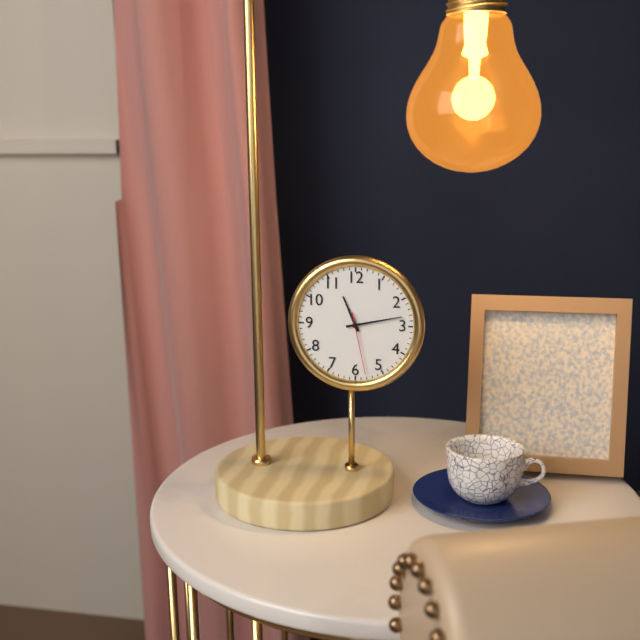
11:13:28
